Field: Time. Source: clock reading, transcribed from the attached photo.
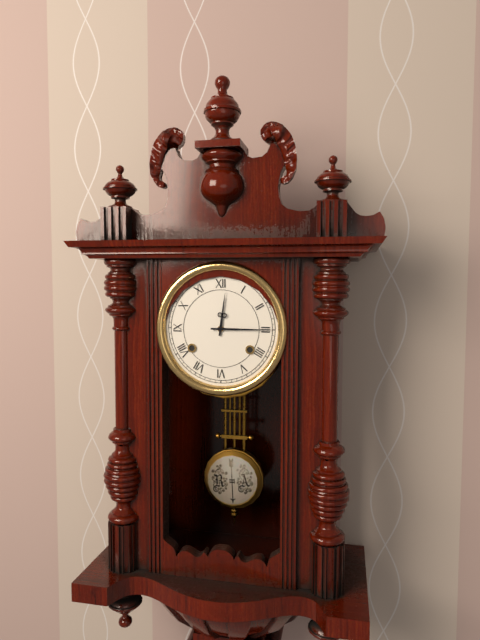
12:15
